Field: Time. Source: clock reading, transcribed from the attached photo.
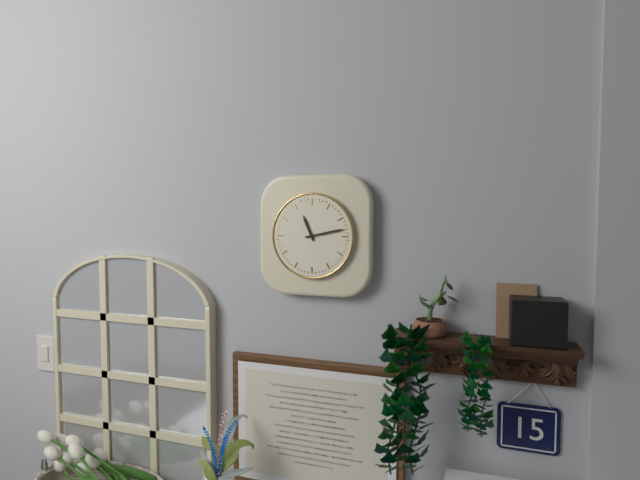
11:13
